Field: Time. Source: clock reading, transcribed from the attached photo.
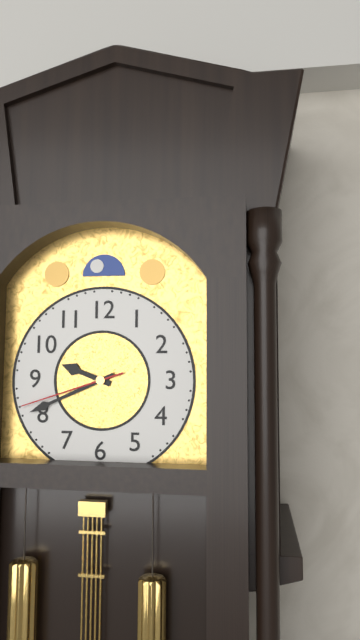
9:41:42
